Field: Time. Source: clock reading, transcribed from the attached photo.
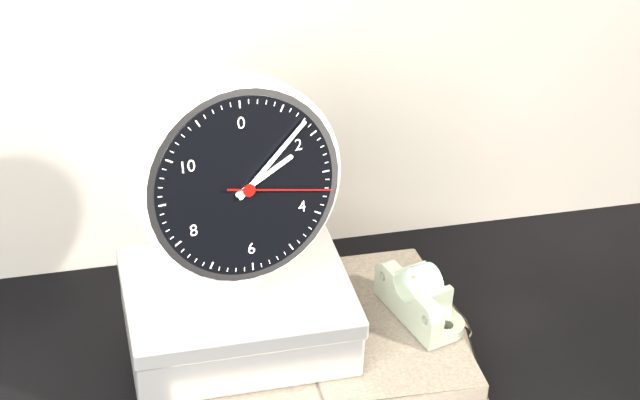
2:08:17
